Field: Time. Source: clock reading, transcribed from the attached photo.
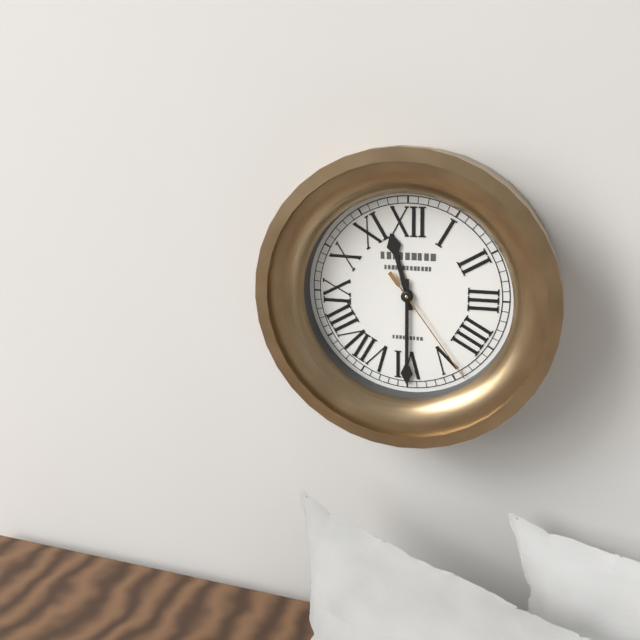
11:30:24
